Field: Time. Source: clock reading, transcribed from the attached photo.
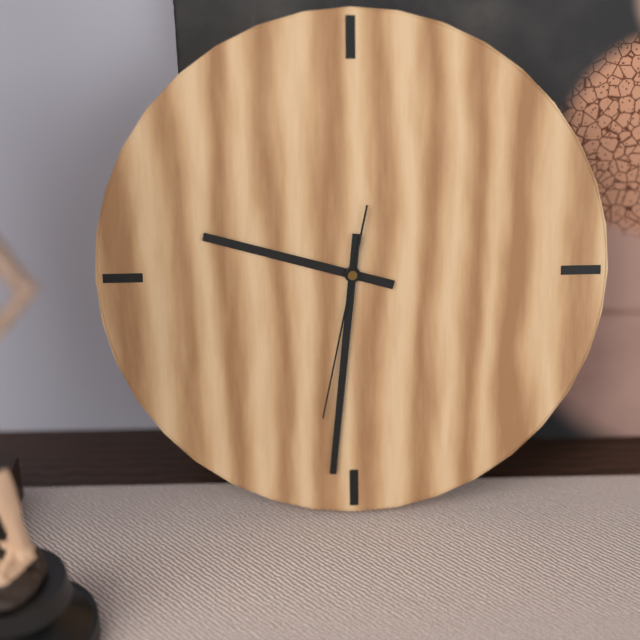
9:31:32
